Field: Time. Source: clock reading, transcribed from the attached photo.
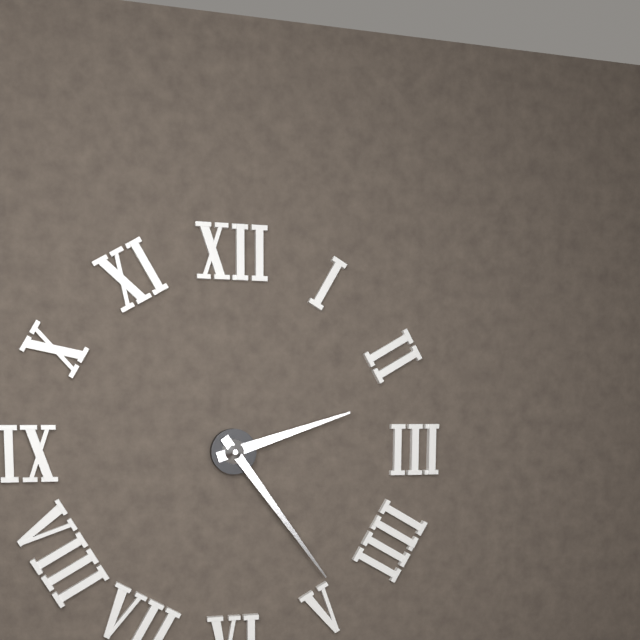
2:24
